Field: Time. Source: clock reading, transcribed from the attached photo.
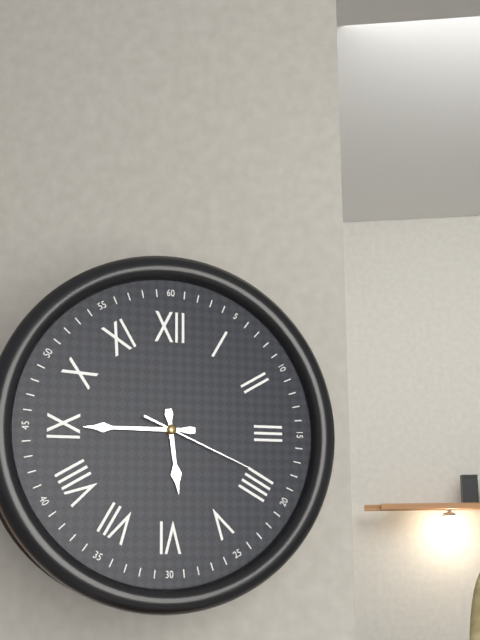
5:45:19
